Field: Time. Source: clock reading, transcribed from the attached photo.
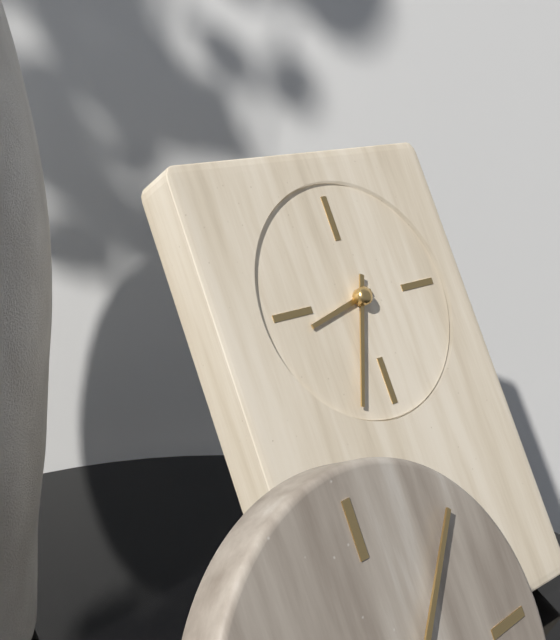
8:34
